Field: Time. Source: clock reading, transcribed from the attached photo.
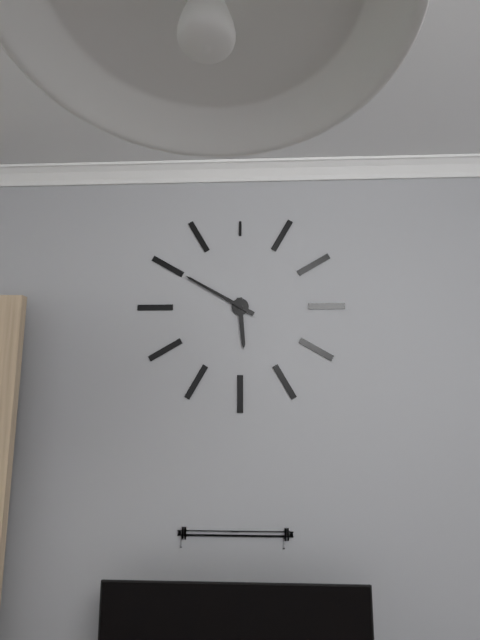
5:50
